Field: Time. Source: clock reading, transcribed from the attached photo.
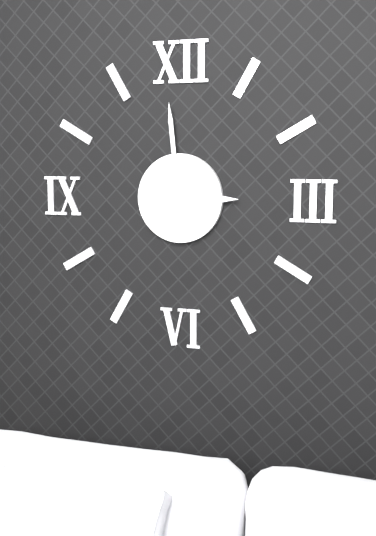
2:59
